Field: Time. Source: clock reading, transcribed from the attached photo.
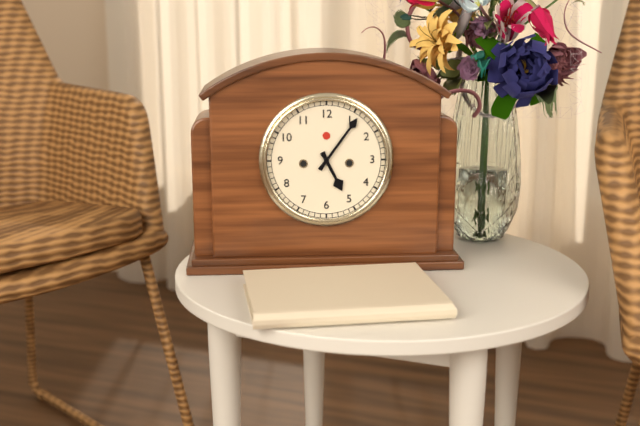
5:06
